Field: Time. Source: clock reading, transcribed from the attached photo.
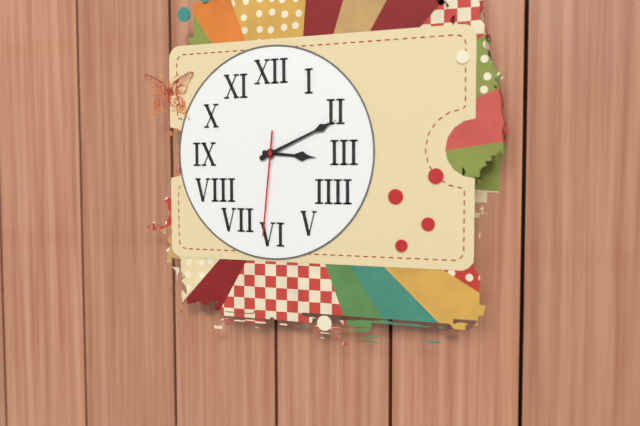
3:11:31
